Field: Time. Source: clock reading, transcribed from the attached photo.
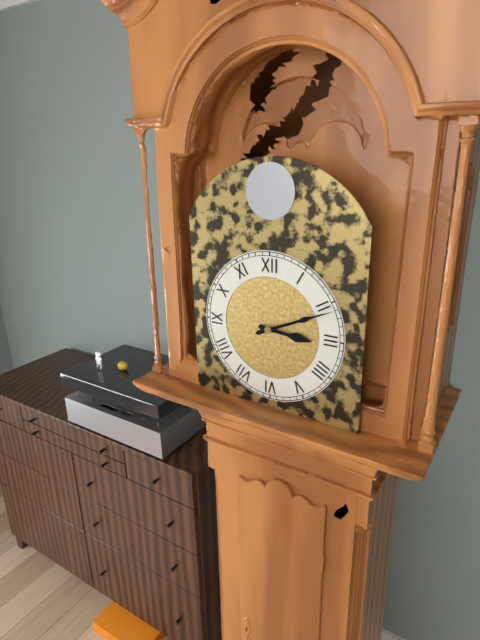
3:11
